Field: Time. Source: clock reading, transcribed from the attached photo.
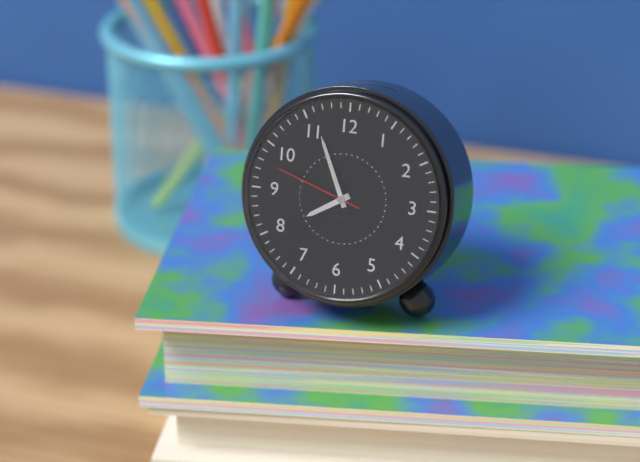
7:56:48
